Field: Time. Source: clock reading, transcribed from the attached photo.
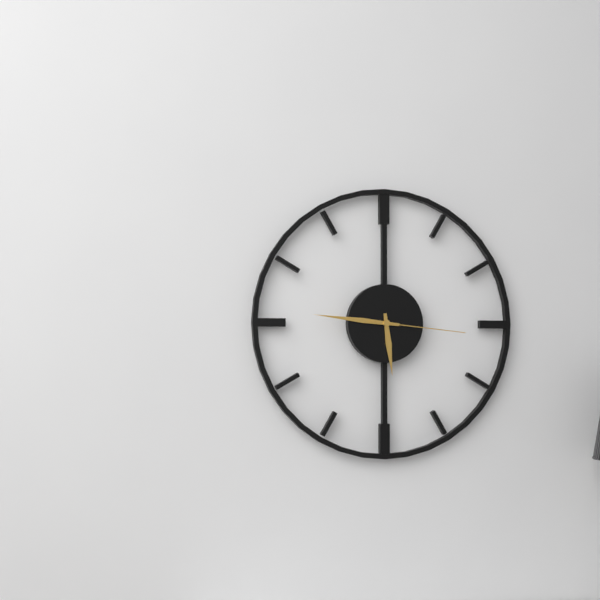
5:46:16
